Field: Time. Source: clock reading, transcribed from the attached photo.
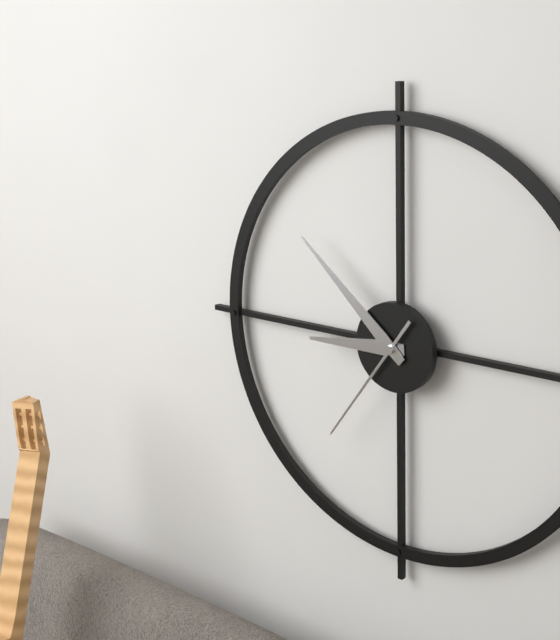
8:52:36
